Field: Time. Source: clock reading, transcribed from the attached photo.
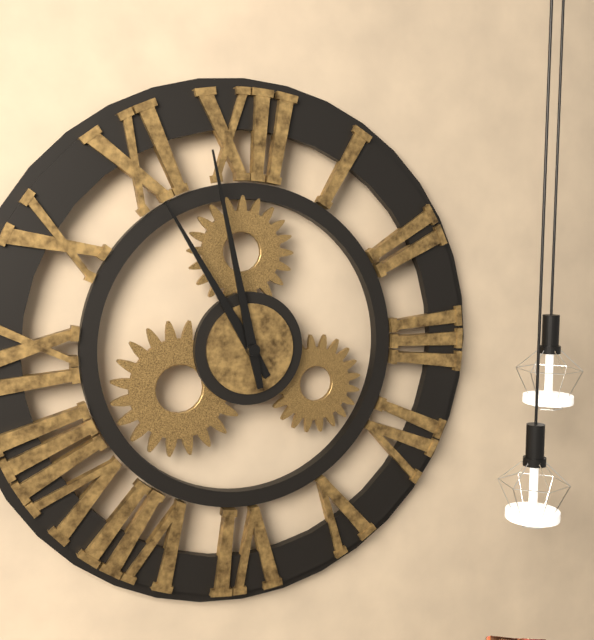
10:58
